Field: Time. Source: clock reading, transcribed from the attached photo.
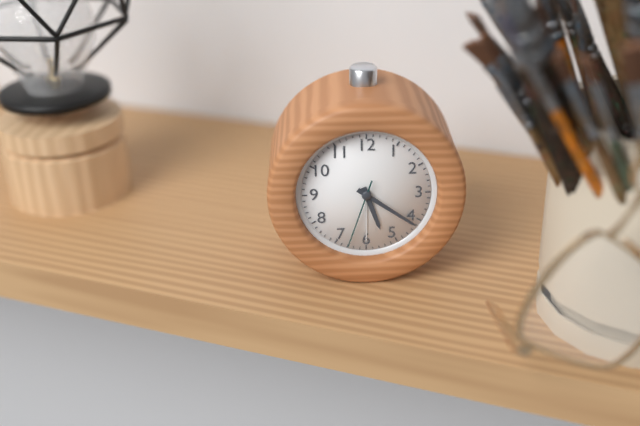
5:21:33
